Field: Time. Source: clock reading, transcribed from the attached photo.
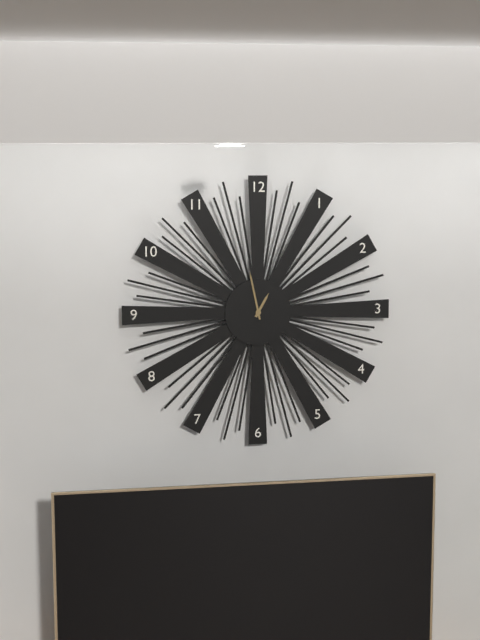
12:58
